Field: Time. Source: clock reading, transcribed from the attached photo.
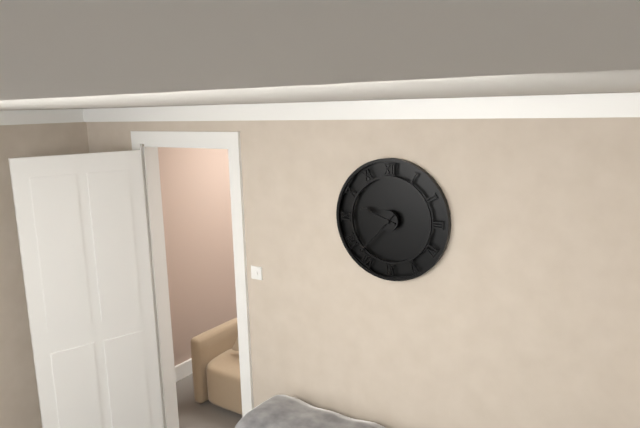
9:37
